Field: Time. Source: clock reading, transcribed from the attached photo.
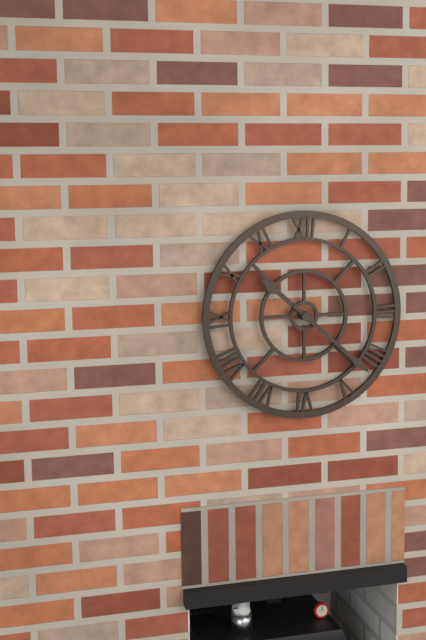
10:22
